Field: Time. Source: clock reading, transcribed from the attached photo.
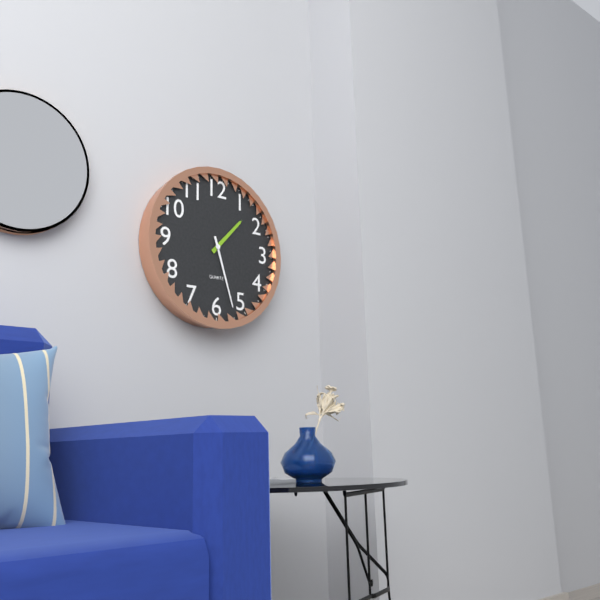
1:27
